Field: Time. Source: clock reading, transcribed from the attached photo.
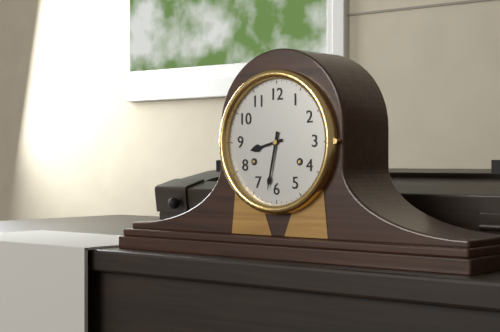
8:32
